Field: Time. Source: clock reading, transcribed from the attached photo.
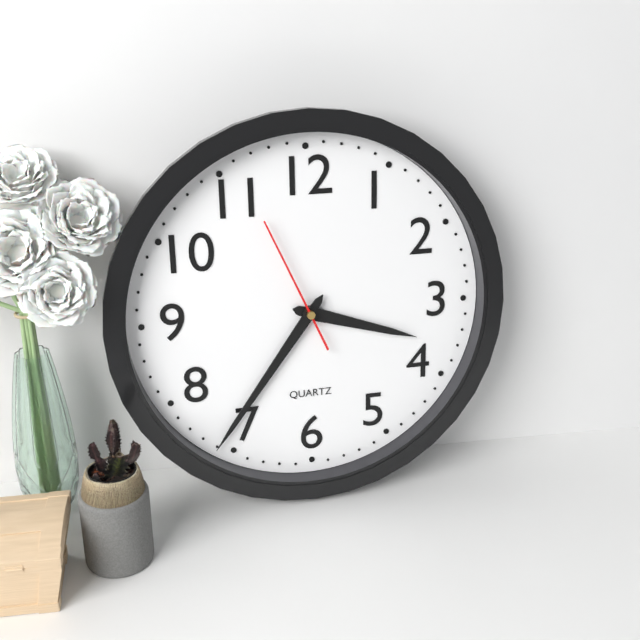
3:36:56
